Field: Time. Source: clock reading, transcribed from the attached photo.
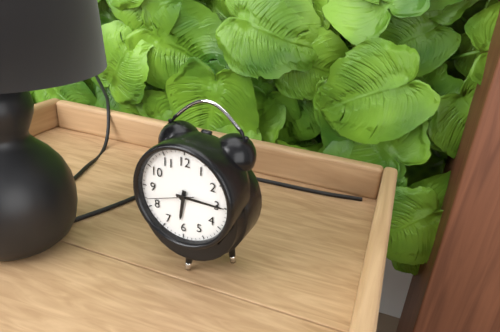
6:15
